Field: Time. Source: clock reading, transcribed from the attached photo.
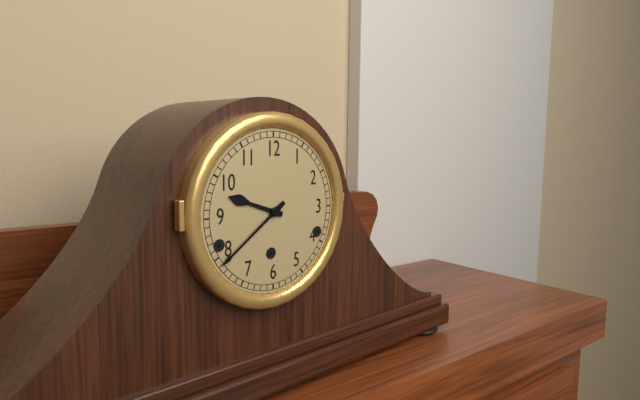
9:39
